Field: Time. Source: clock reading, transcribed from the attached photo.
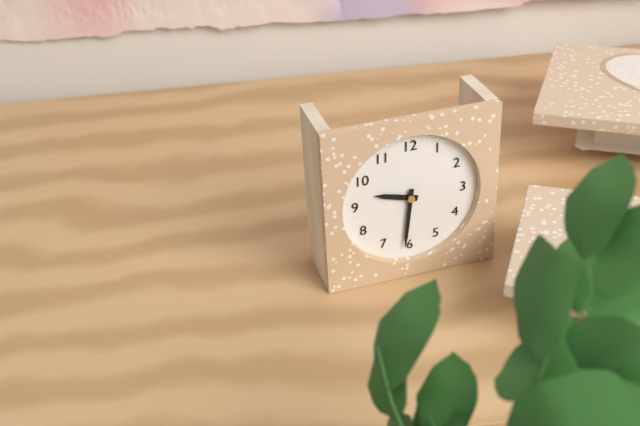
9:31
